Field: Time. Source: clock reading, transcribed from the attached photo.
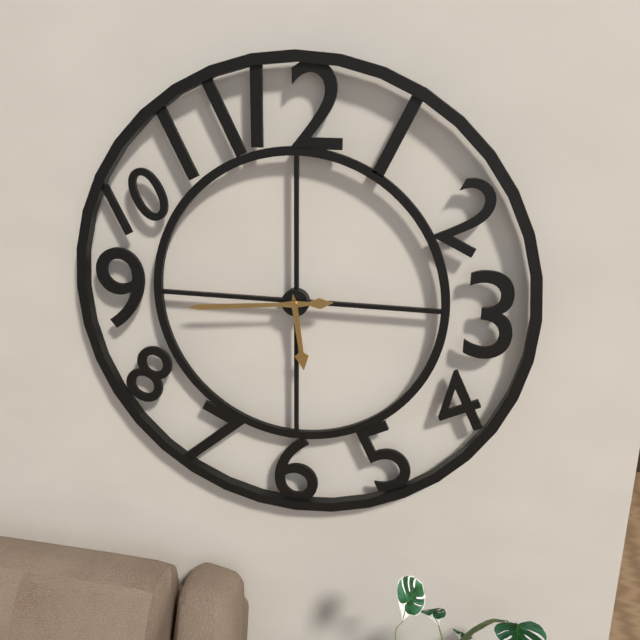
5:44
